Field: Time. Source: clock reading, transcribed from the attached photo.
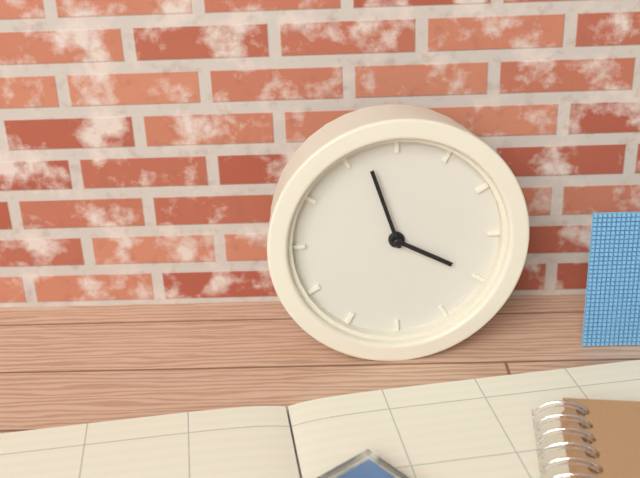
3:57
